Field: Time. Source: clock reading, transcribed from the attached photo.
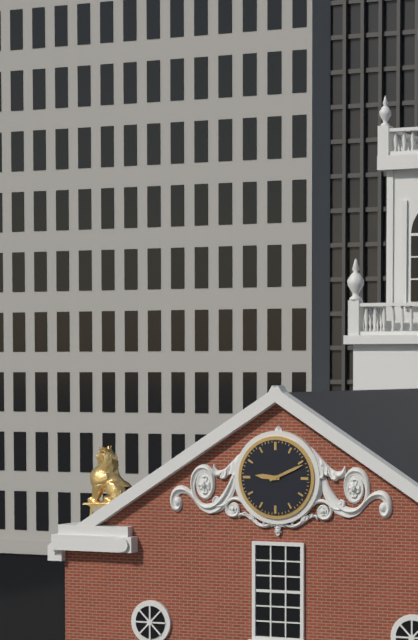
9:11
